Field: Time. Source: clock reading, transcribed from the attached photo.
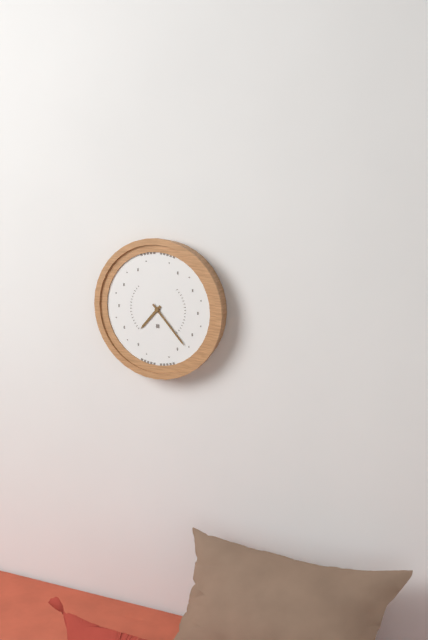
7:23
